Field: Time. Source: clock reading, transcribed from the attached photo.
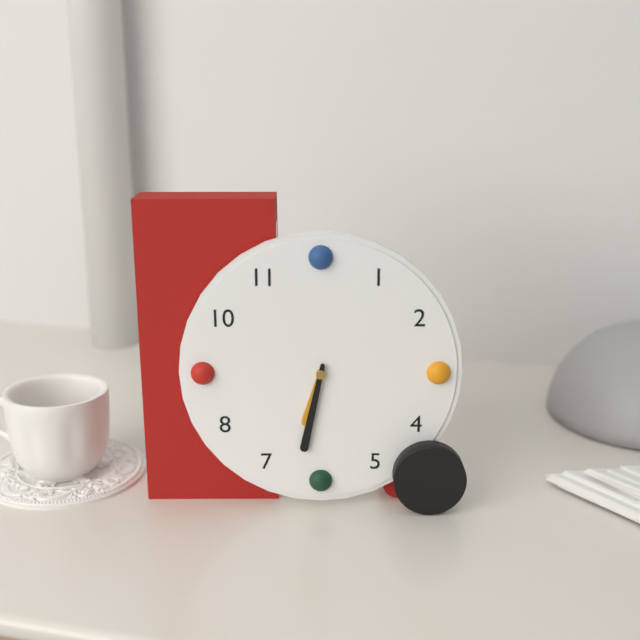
6:32
